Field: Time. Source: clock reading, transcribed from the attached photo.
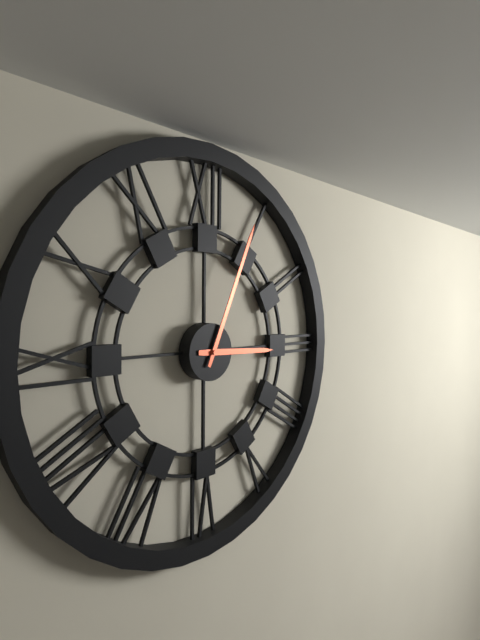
3:04
